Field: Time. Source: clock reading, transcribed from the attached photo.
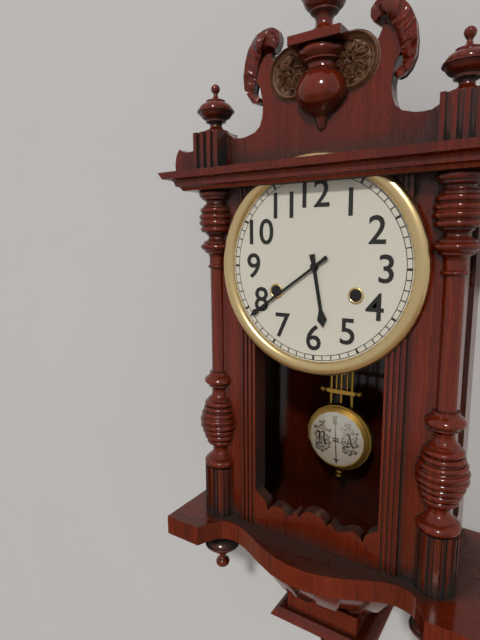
5:39
